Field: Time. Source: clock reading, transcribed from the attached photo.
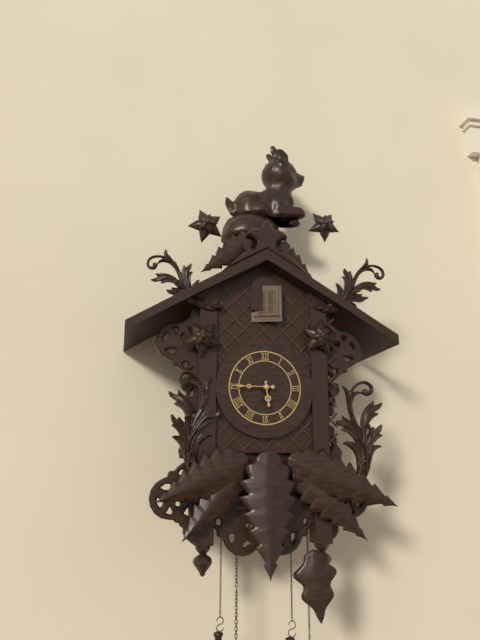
5:45
